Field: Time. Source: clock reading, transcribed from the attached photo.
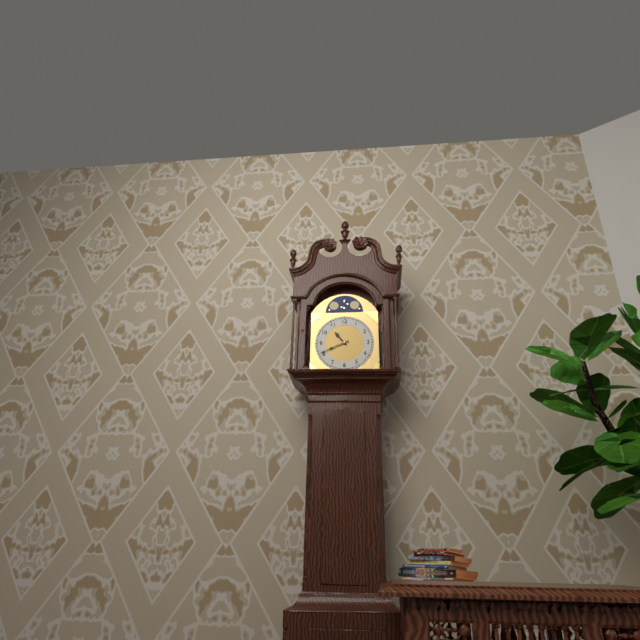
10:41
